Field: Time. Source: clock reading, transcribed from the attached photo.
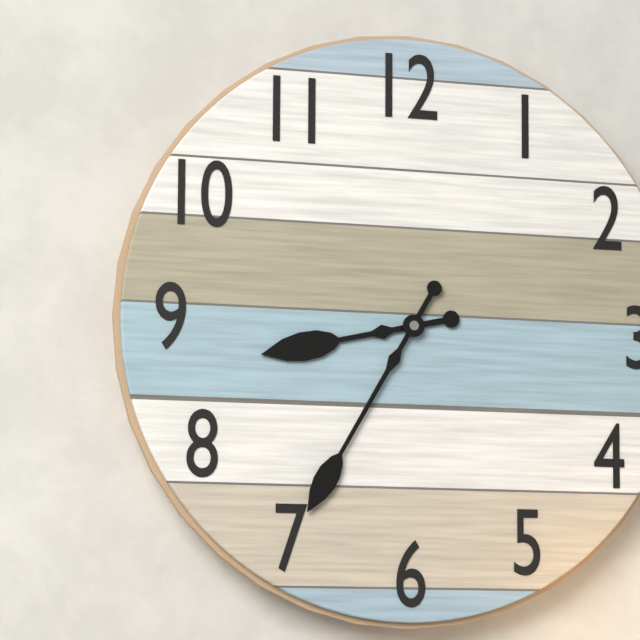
8:35
